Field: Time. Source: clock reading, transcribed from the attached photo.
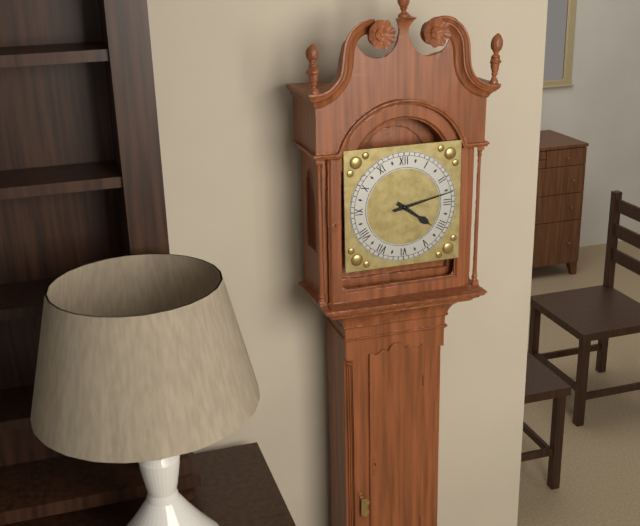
4:13
